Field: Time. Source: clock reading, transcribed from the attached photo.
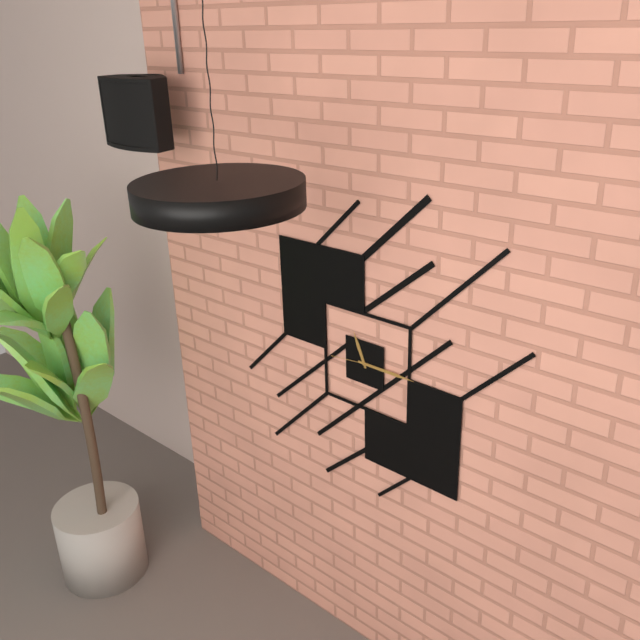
11:15
